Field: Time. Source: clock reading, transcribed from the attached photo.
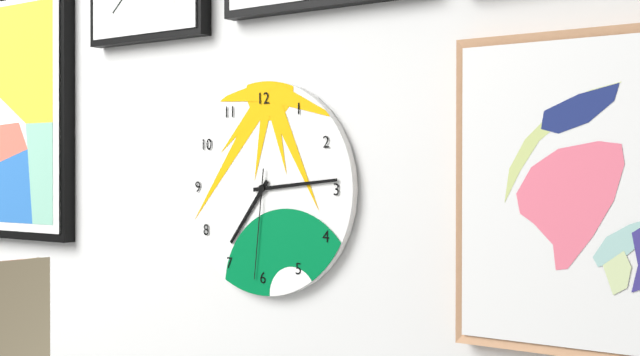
7:14:31
